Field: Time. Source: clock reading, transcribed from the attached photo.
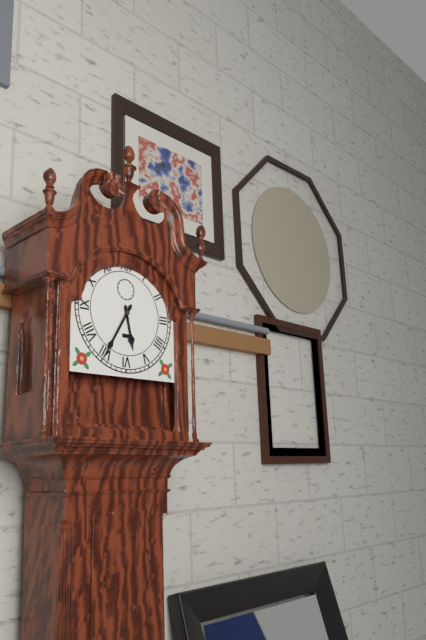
5:35
